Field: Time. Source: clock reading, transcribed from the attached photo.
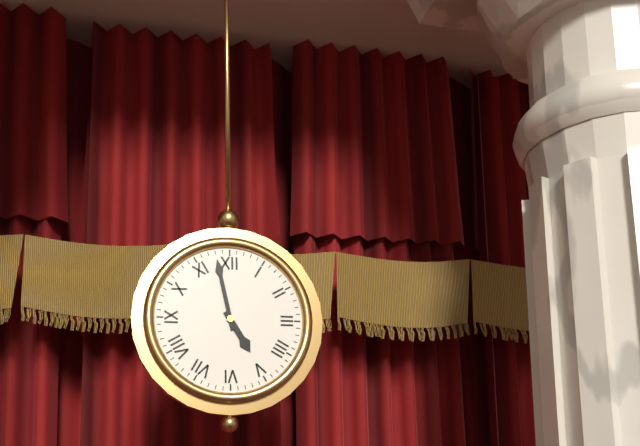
4:58
